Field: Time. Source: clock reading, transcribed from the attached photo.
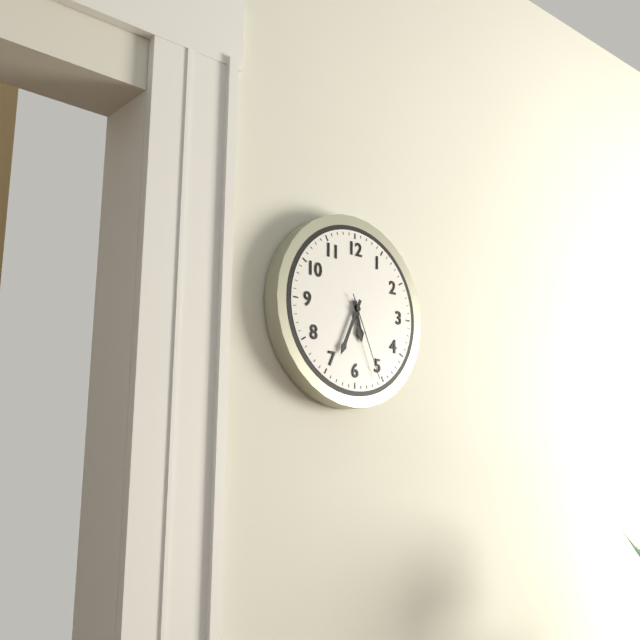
5:34:26
